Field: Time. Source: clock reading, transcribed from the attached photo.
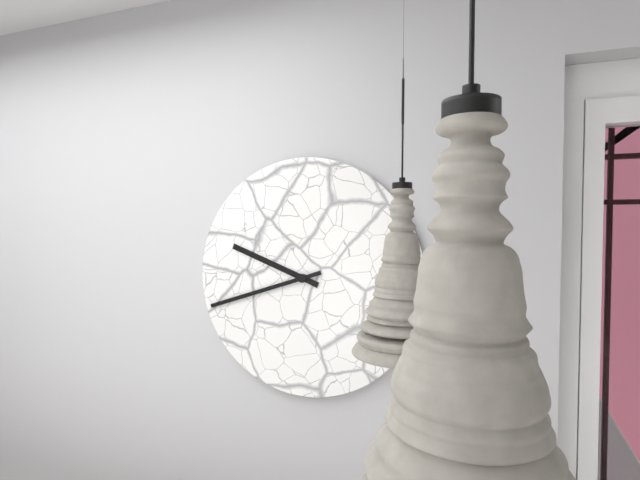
9:42
